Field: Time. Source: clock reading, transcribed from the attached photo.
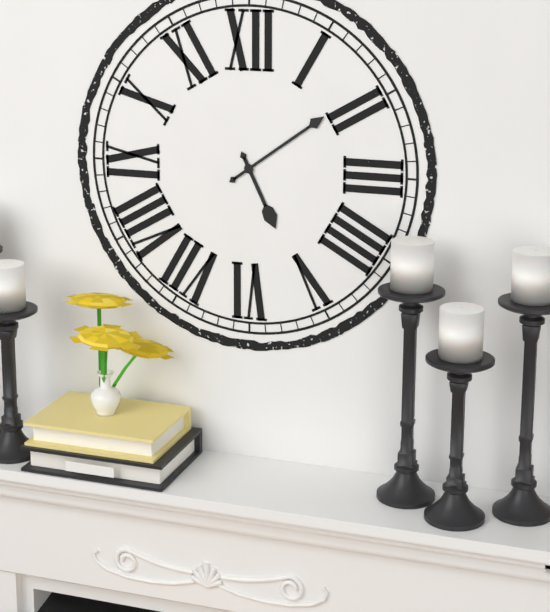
5:09
